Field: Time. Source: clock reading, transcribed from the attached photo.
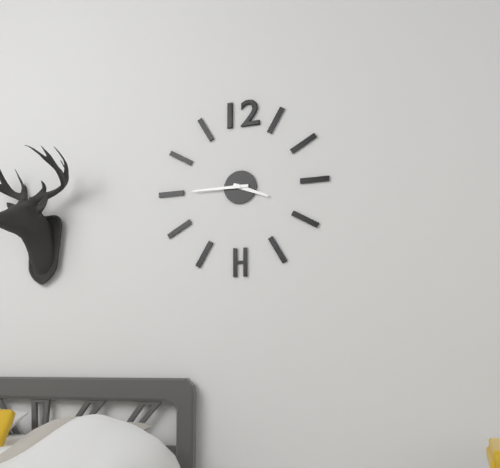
3:45
